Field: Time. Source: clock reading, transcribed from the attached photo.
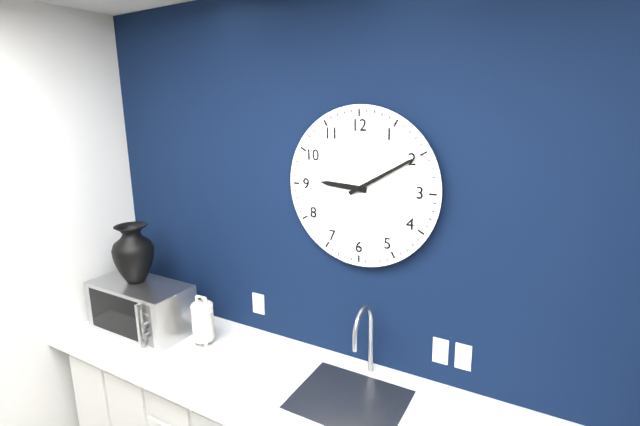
9:10
